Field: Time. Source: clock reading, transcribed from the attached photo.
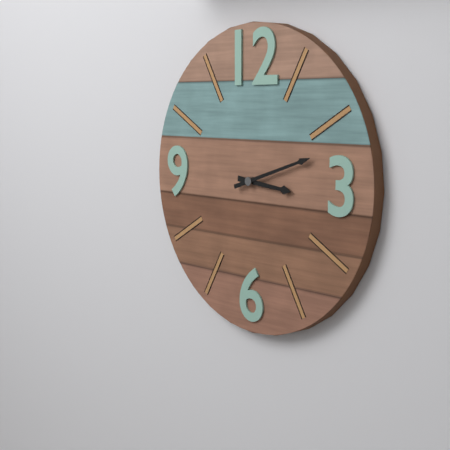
3:12
